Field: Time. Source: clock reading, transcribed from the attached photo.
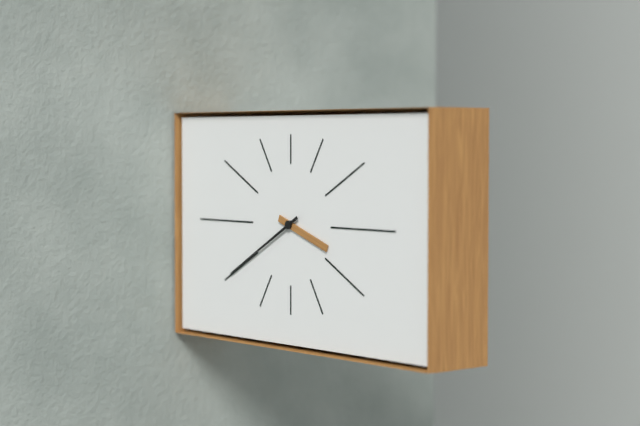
3:40
